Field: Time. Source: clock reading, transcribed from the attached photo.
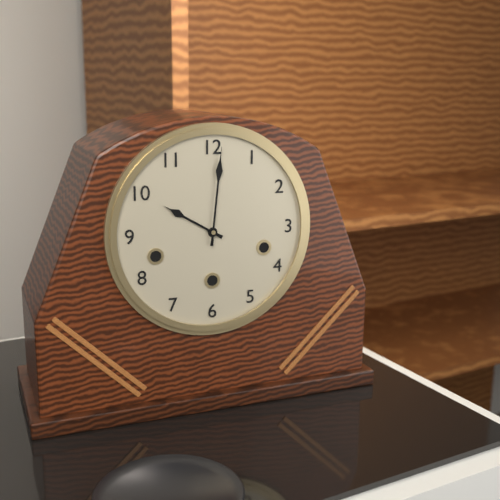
10:01
